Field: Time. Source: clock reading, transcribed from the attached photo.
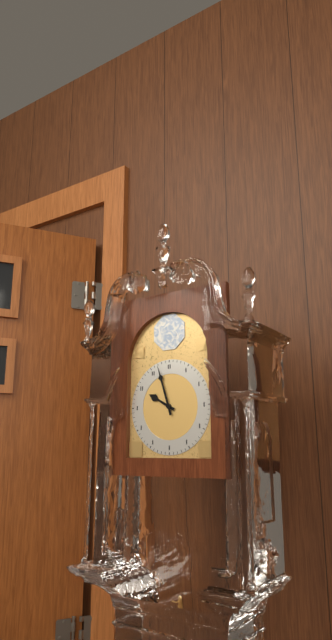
9:57
